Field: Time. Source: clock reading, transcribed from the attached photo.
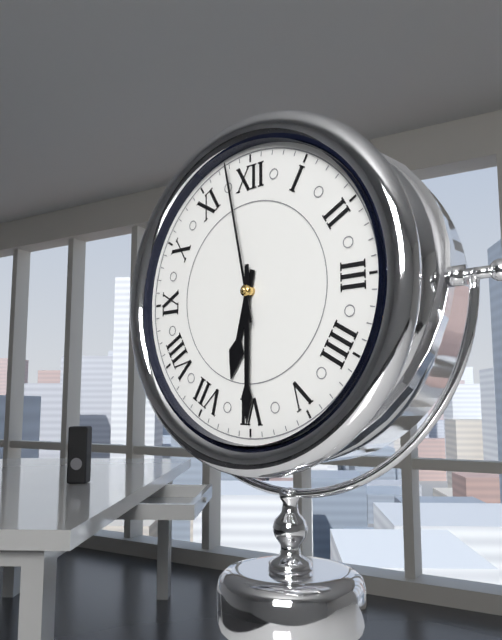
6:30:58
